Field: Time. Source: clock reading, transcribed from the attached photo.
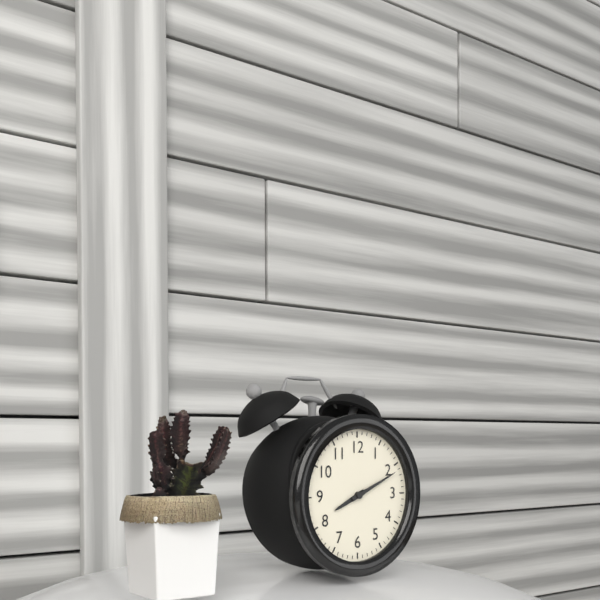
8:11
